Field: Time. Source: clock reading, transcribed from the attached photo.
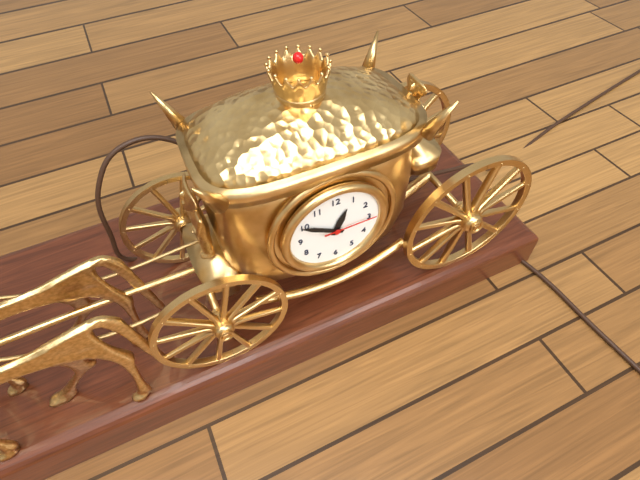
12:50:15
